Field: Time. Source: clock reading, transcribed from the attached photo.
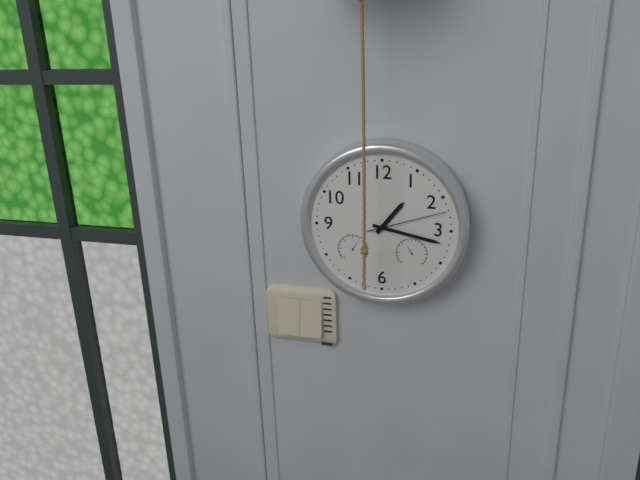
1:17:12
